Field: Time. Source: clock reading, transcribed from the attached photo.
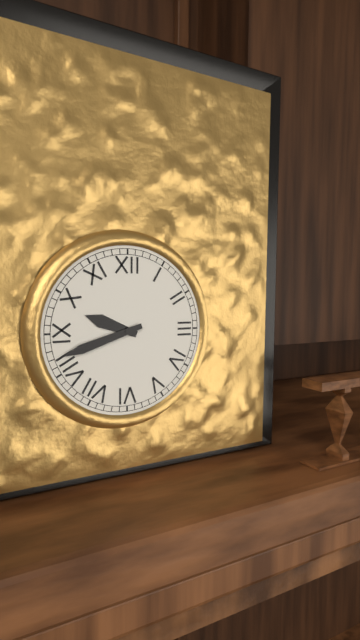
9:42
